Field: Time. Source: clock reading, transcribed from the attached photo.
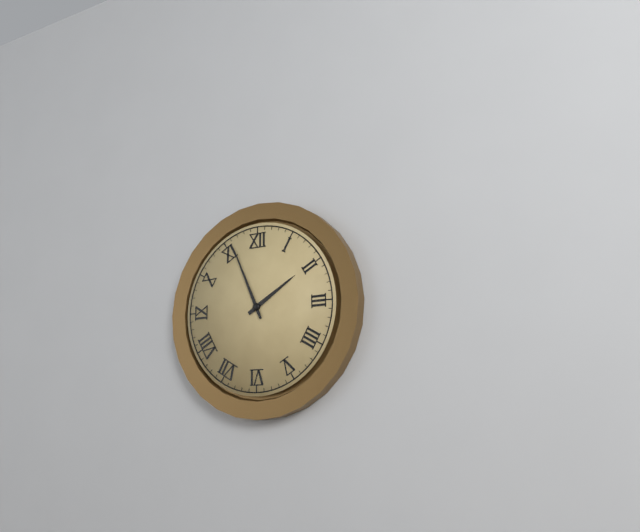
1:56
